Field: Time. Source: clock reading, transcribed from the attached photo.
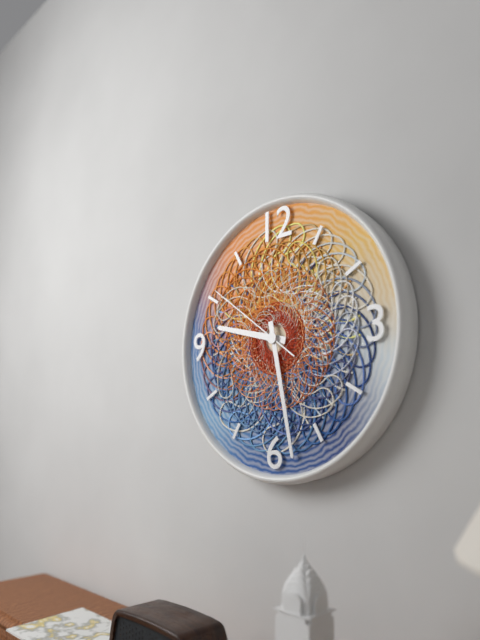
9:28:51
